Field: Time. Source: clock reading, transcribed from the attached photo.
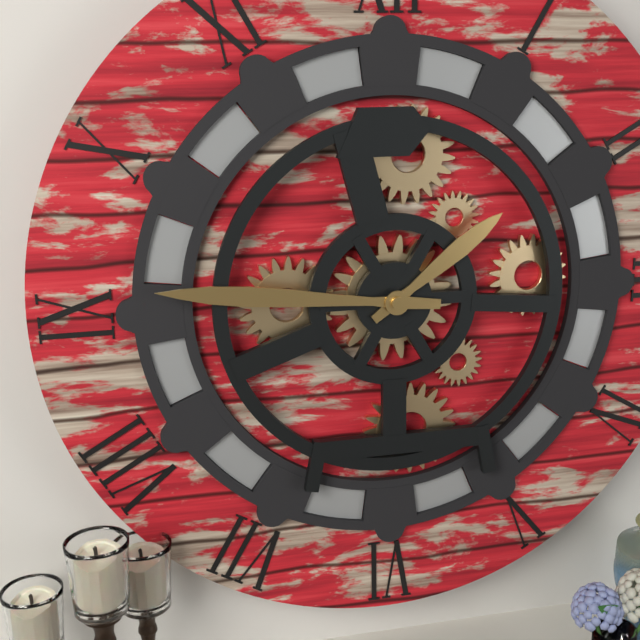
1:46
